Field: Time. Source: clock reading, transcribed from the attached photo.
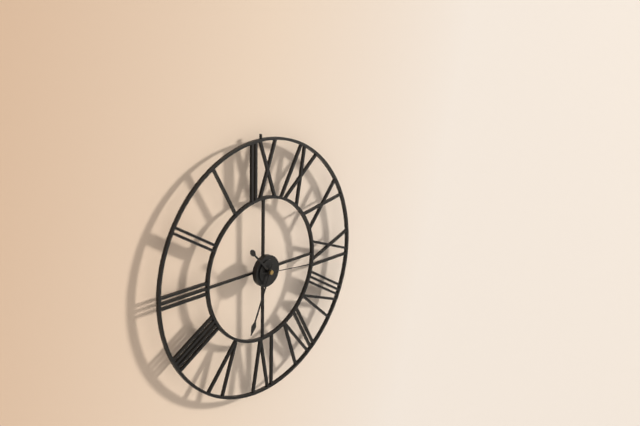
10:34:16
